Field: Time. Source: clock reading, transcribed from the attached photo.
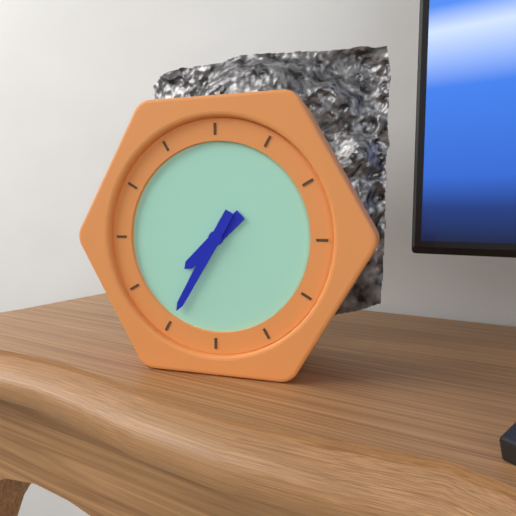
7:35
